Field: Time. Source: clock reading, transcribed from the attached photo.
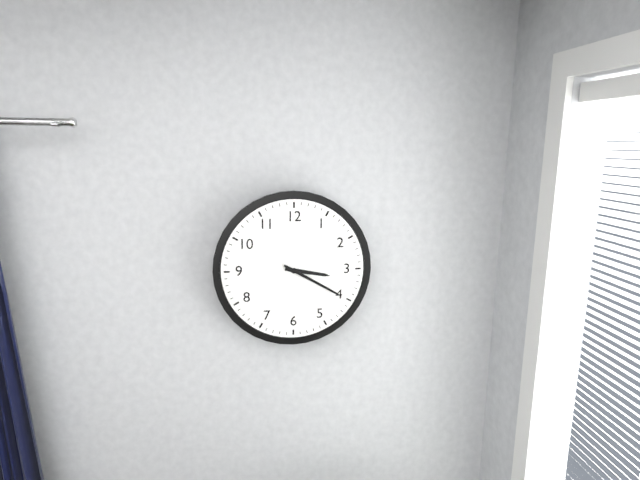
3:20
